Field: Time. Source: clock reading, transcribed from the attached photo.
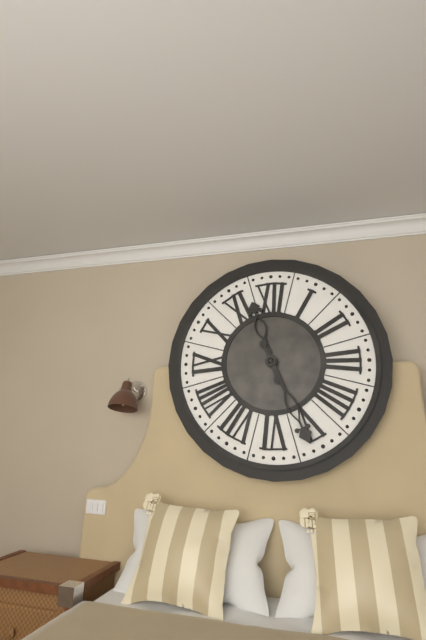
11:26
